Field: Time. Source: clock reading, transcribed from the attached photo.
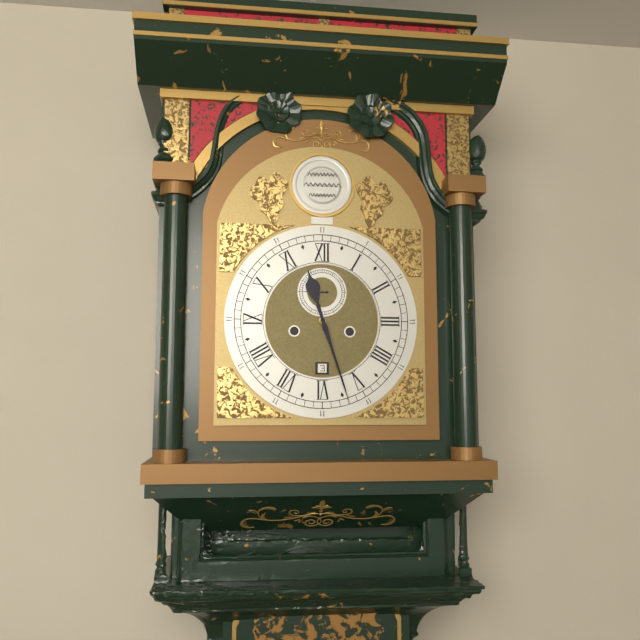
11:27
